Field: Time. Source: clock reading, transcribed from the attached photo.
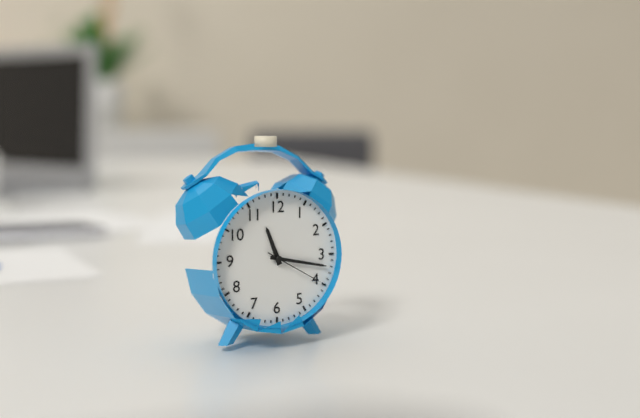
11:17:20
